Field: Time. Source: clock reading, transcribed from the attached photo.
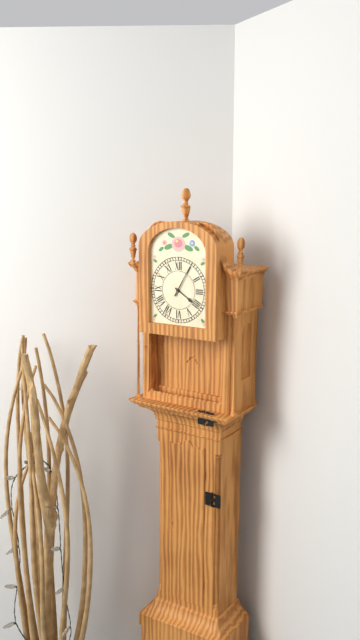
4:05
